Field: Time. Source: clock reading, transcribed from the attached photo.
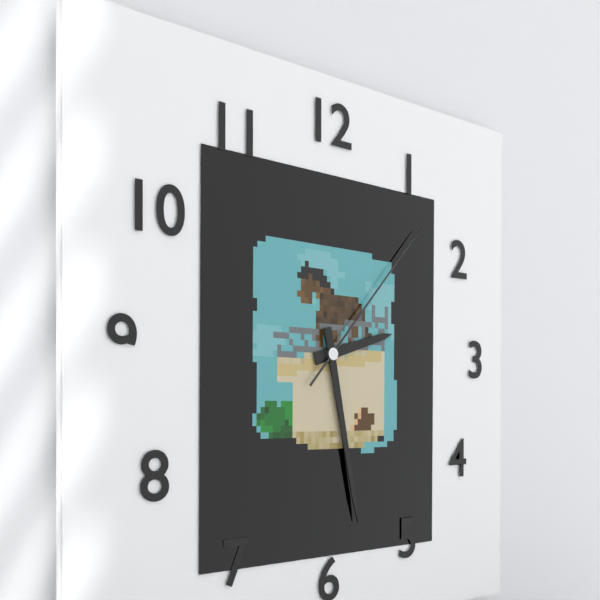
2:28:07
